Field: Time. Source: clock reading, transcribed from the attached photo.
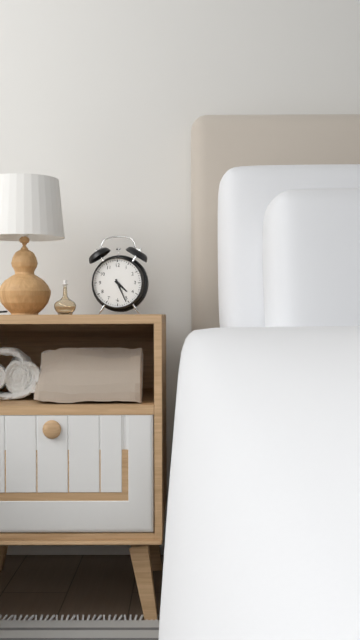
4:26
